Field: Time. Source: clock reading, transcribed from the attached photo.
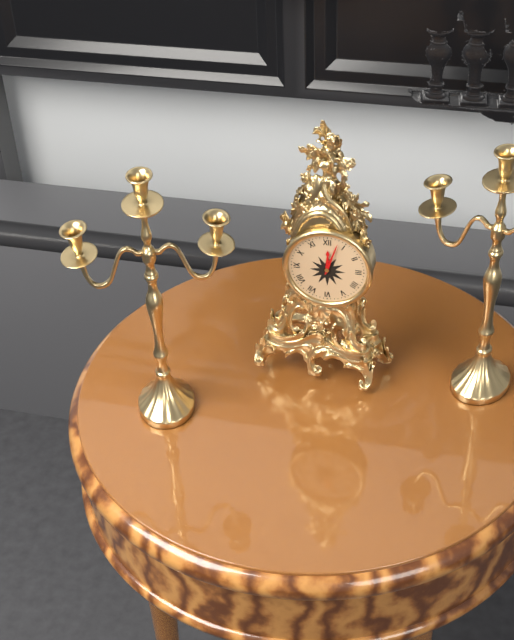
12:03
